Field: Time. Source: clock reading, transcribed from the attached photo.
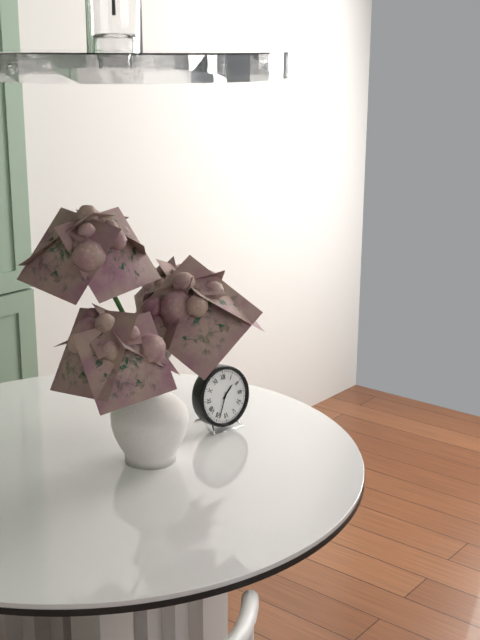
1:34
